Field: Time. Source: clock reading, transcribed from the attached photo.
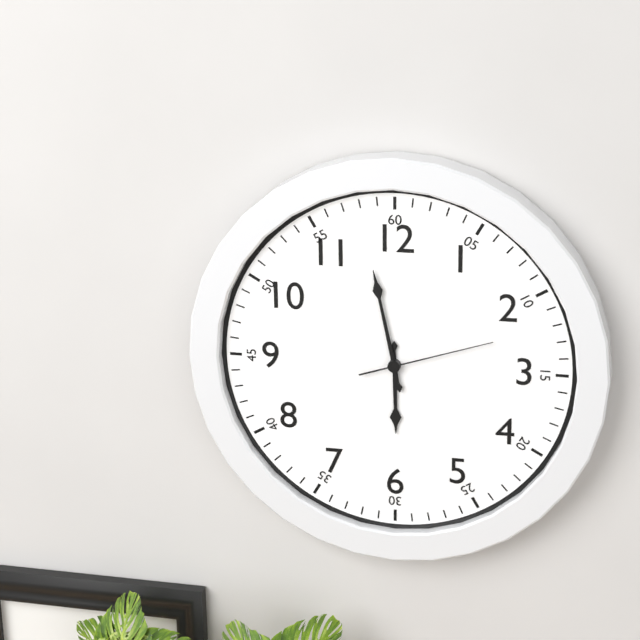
5:58:12
